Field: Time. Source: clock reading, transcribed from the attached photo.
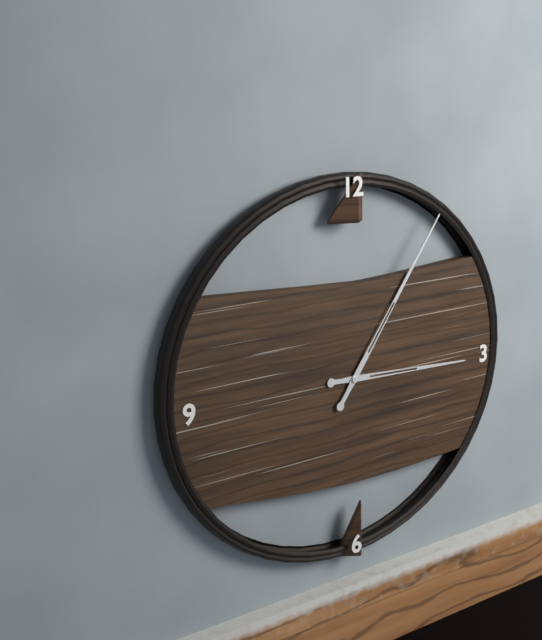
3:06
